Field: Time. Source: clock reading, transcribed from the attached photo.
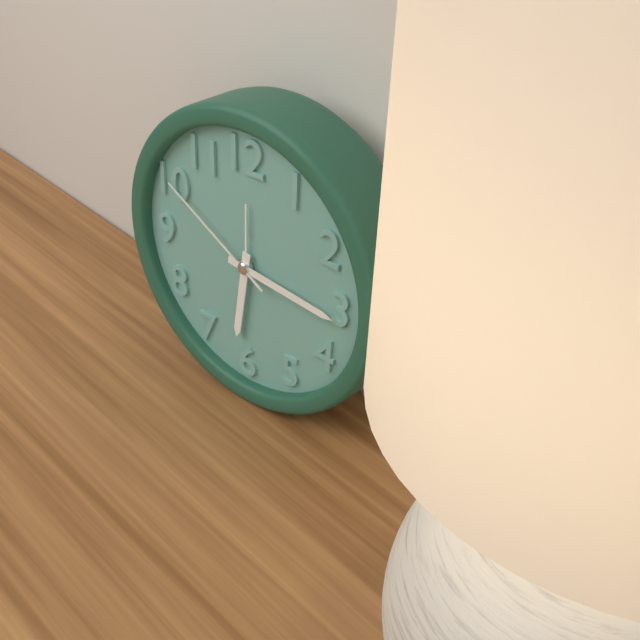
6:16:50
